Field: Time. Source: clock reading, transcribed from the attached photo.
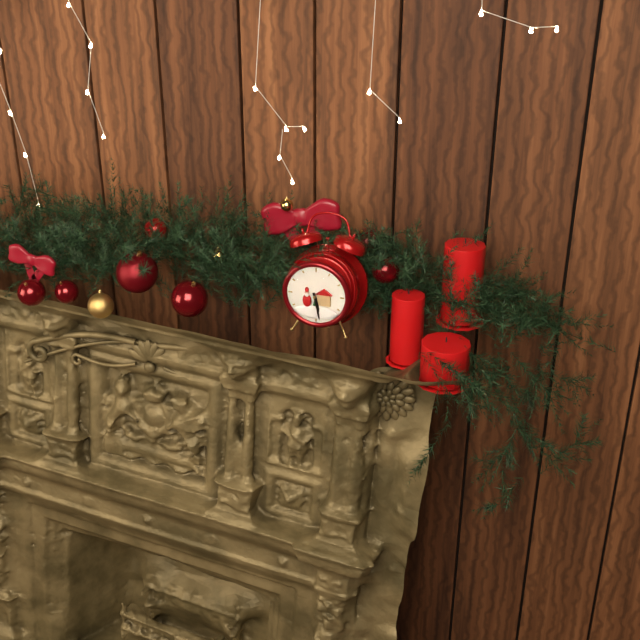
5:28
